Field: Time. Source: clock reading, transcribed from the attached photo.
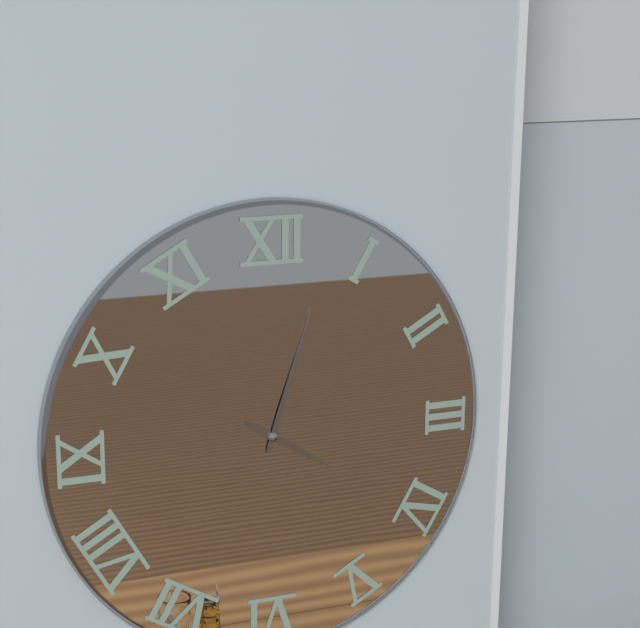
4:03
